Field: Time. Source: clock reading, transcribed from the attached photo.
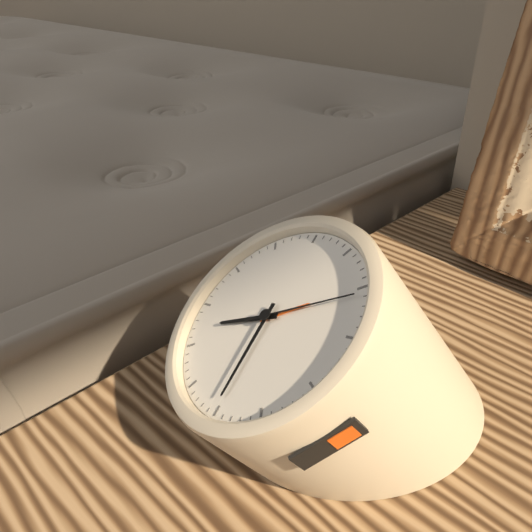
7:25:06
